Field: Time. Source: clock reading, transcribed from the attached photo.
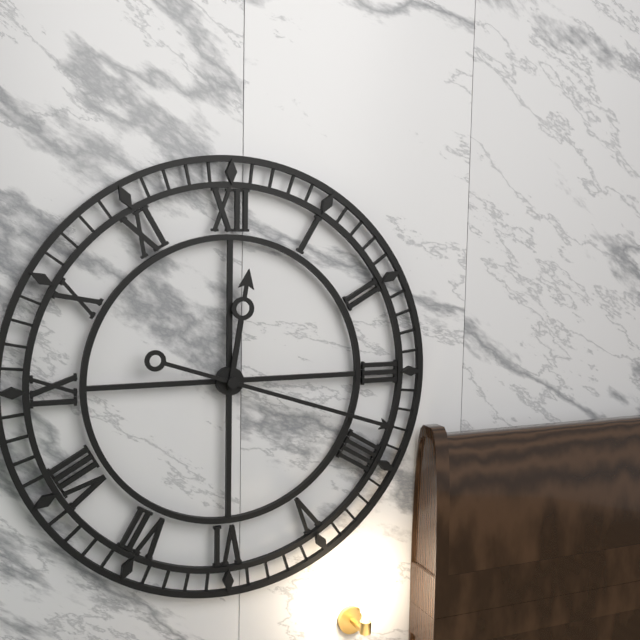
12:18
